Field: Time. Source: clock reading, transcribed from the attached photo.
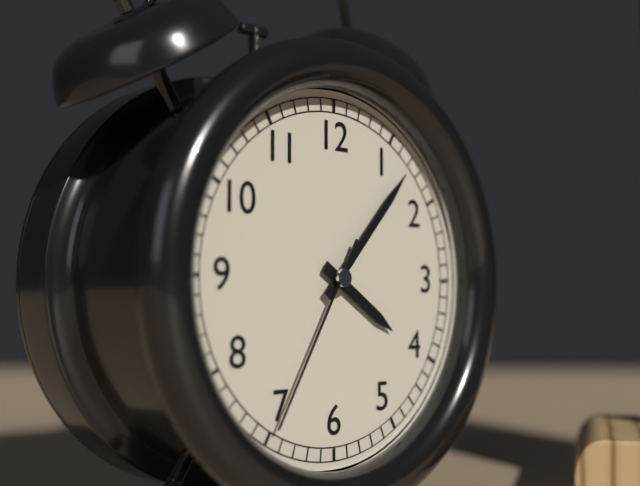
4:07:35
